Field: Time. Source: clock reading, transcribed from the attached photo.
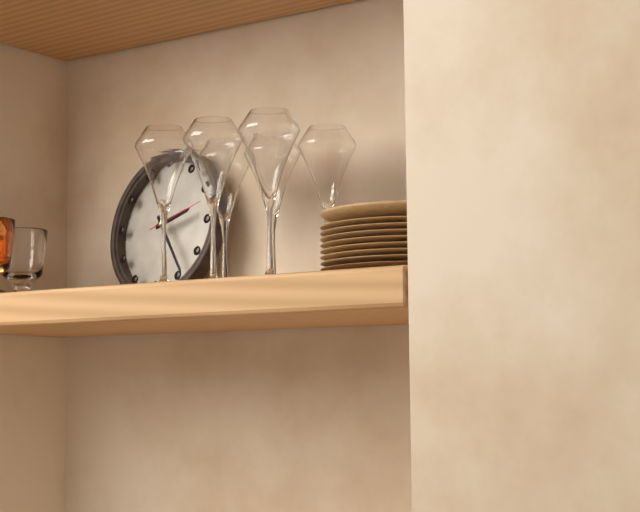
2:24:12
